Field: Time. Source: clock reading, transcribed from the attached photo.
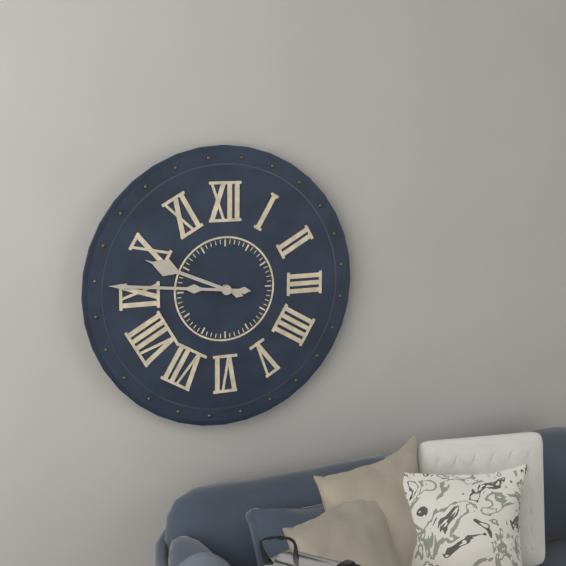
9:46
